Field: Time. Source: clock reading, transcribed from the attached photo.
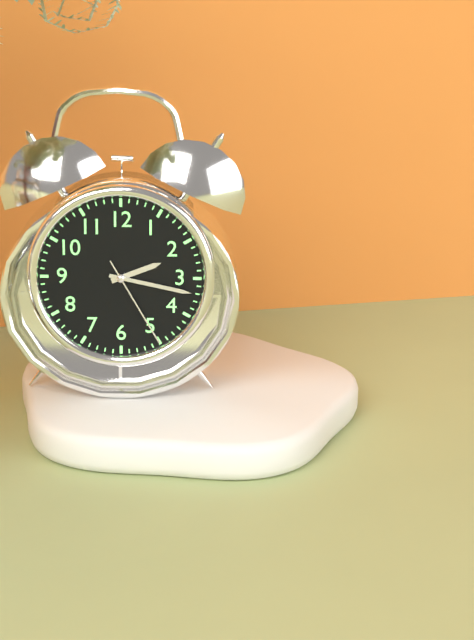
2:17:25
